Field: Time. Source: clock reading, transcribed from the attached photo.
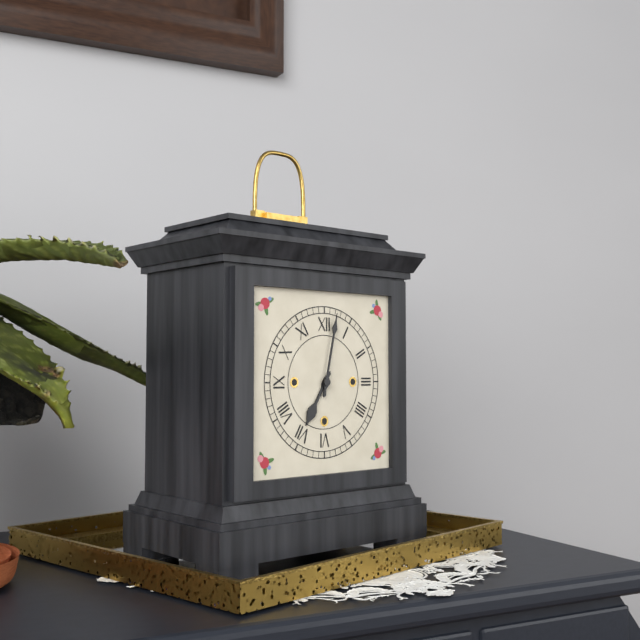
7:02
